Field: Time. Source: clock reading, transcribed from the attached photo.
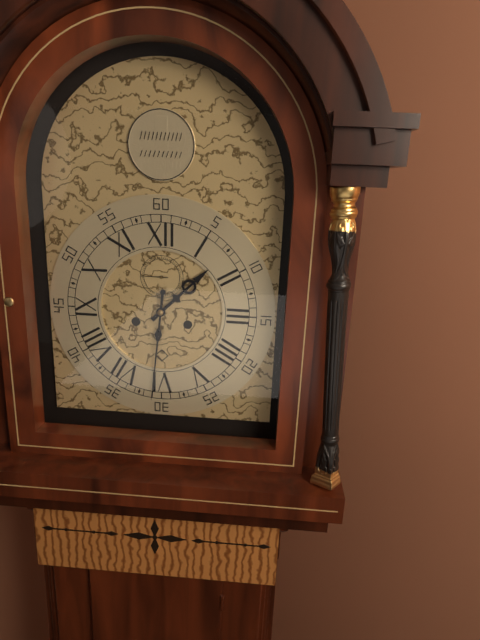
1:31
